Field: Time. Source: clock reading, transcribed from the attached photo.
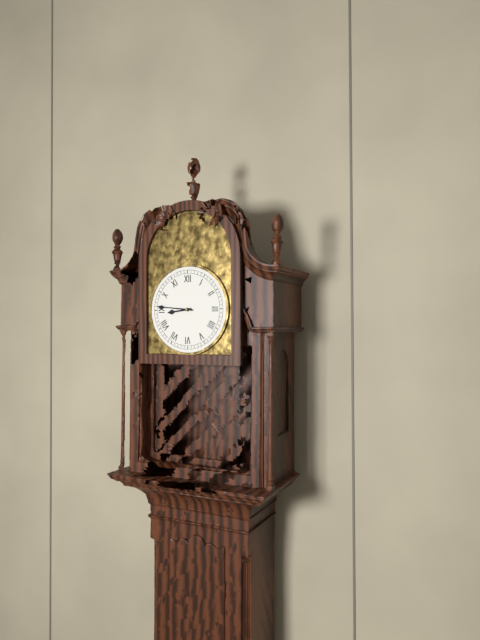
8:46
